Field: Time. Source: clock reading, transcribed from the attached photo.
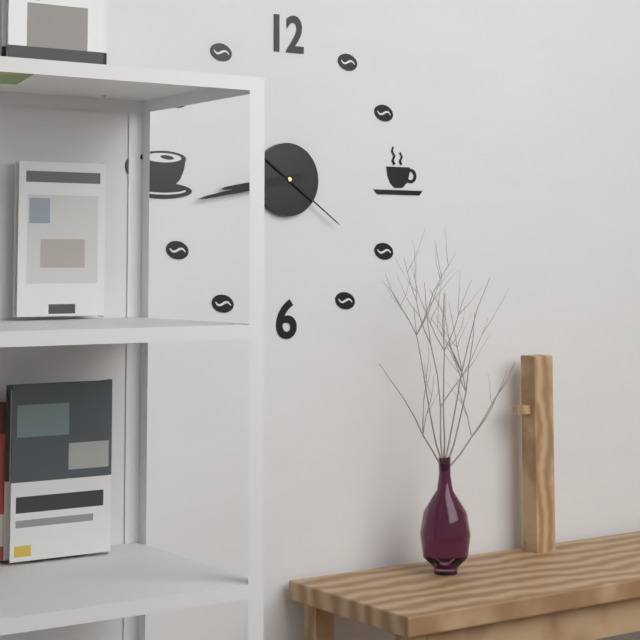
8:43:21
